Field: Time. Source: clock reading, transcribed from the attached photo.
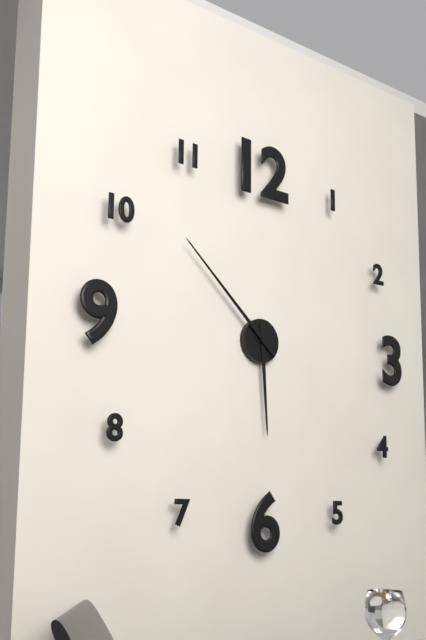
5:52
